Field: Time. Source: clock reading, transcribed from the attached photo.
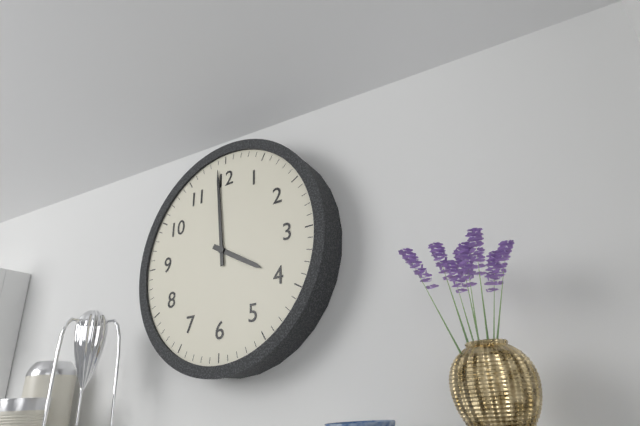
3:59
